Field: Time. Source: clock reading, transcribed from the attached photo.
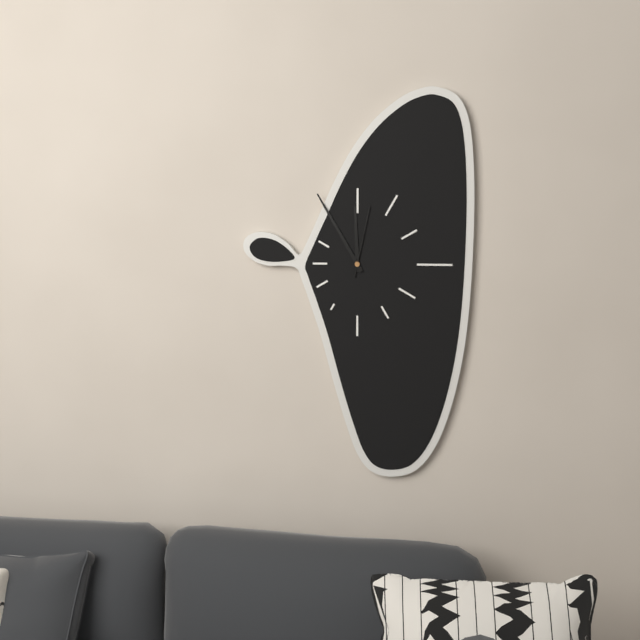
11:55:02
